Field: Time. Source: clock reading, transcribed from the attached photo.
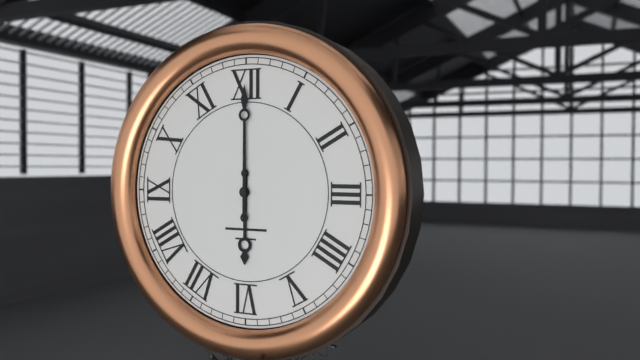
6:00
